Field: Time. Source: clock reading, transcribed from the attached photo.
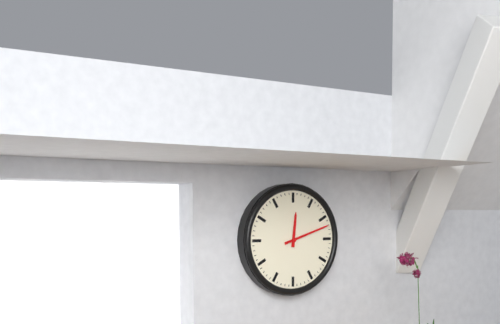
12:12
